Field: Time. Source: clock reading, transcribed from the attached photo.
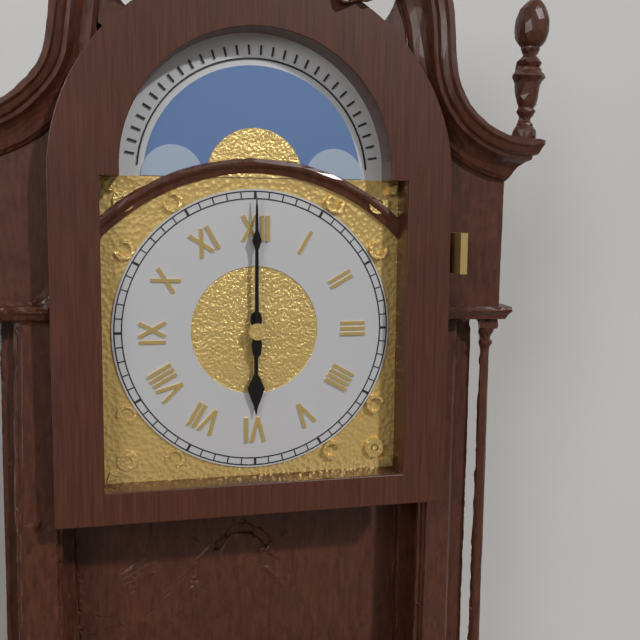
6:00
